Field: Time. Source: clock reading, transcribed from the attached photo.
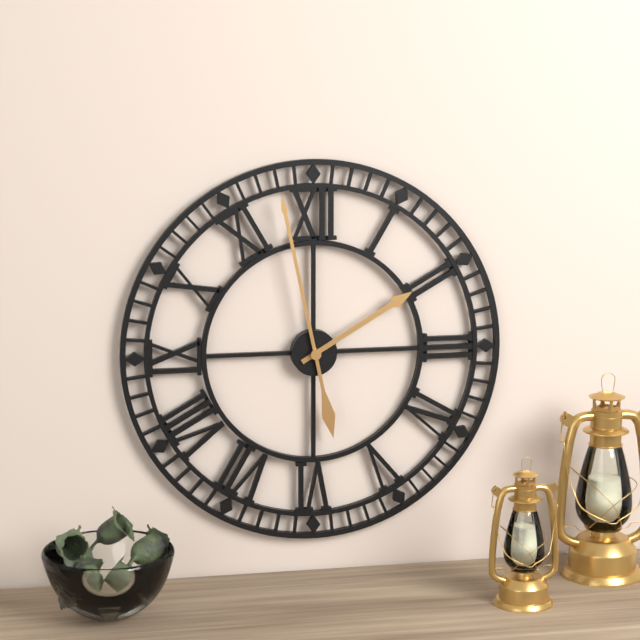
1:58
